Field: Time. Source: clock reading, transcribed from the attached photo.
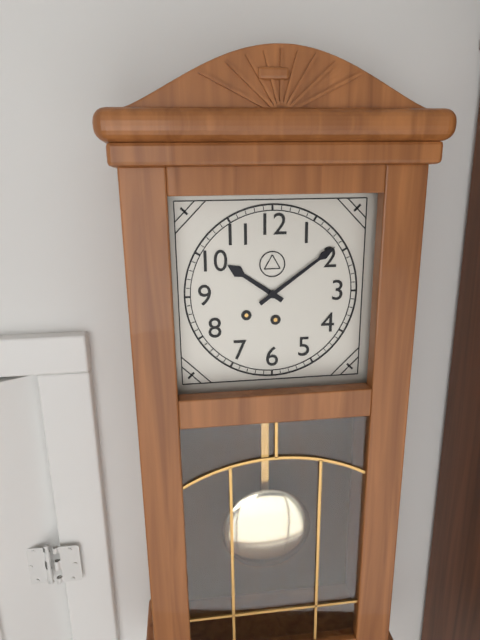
10:09
